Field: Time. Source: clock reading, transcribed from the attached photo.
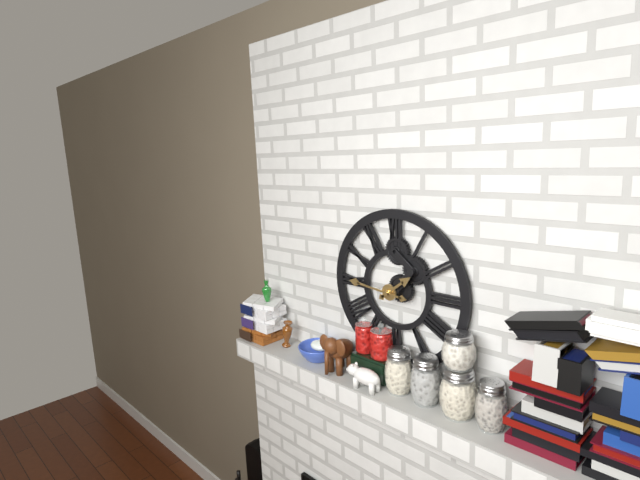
1:46
